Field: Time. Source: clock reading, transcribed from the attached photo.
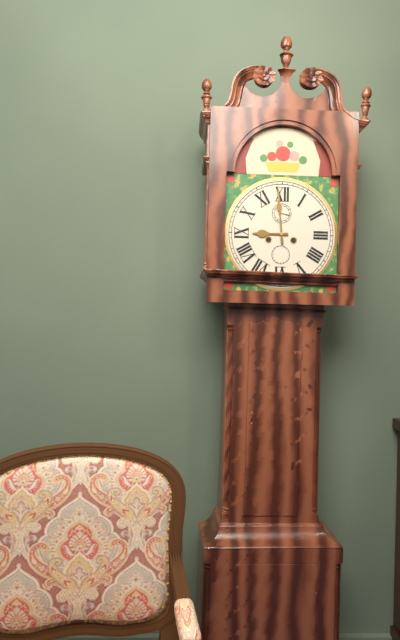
8:59
